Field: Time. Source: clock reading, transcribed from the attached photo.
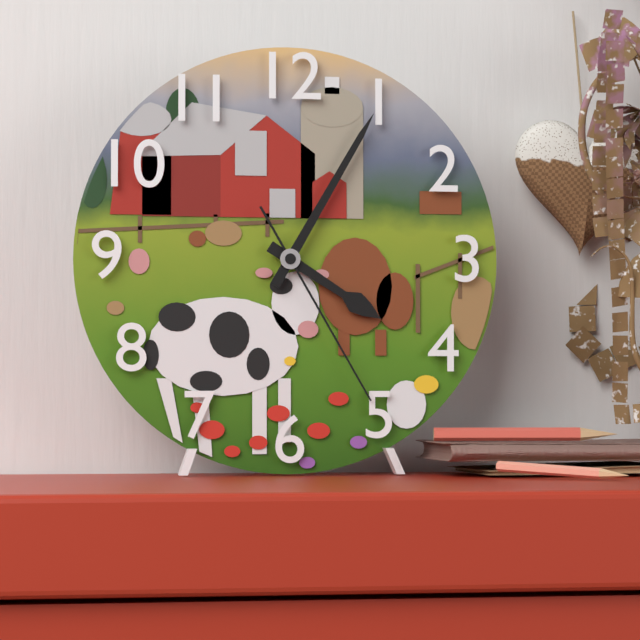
4:05:25
